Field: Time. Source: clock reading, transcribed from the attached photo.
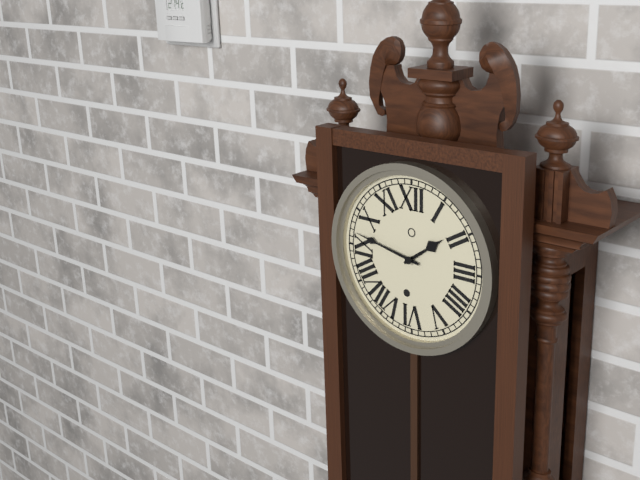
1:47
